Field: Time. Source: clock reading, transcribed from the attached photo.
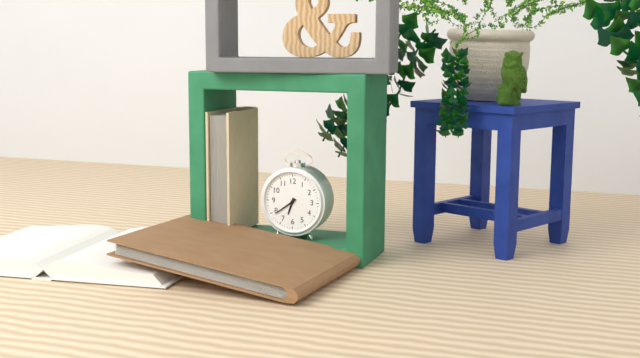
6:39
